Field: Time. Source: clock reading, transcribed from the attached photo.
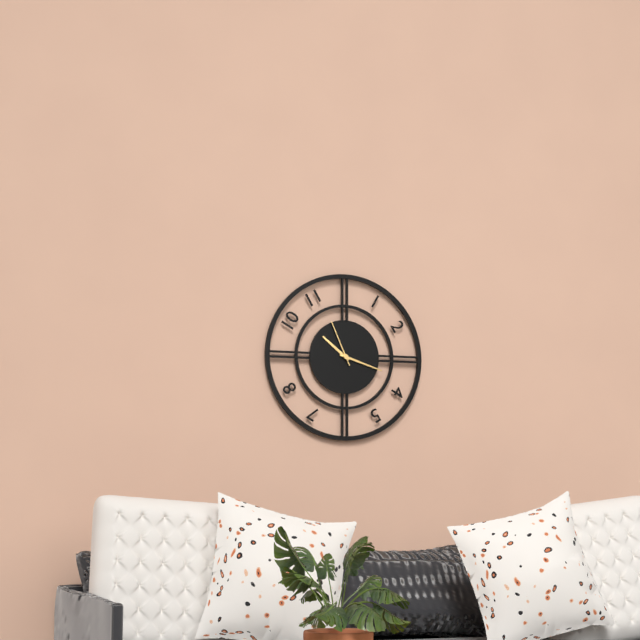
10:18
